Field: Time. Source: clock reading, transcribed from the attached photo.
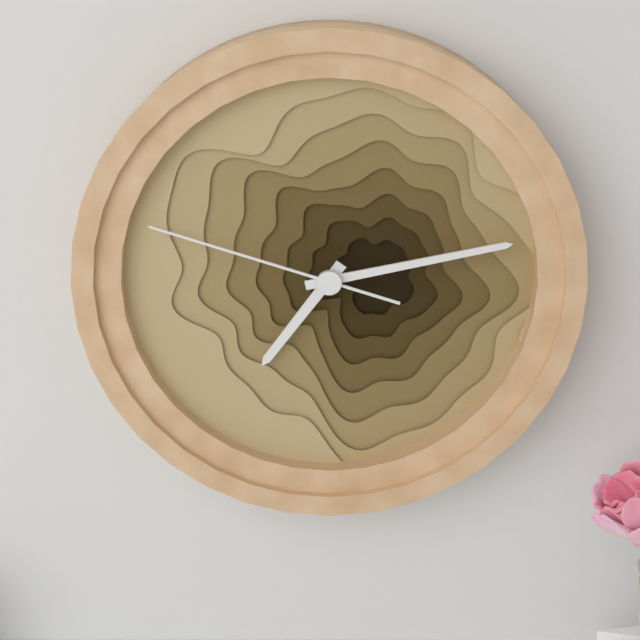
7:13:48
